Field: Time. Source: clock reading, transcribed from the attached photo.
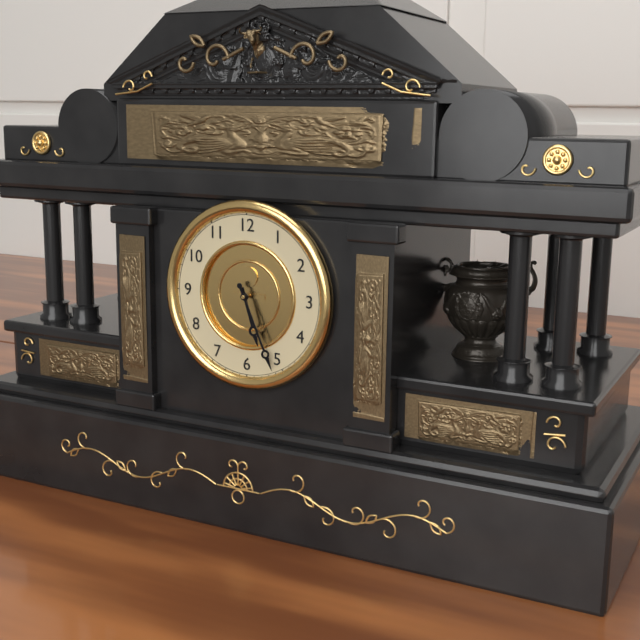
5:26
